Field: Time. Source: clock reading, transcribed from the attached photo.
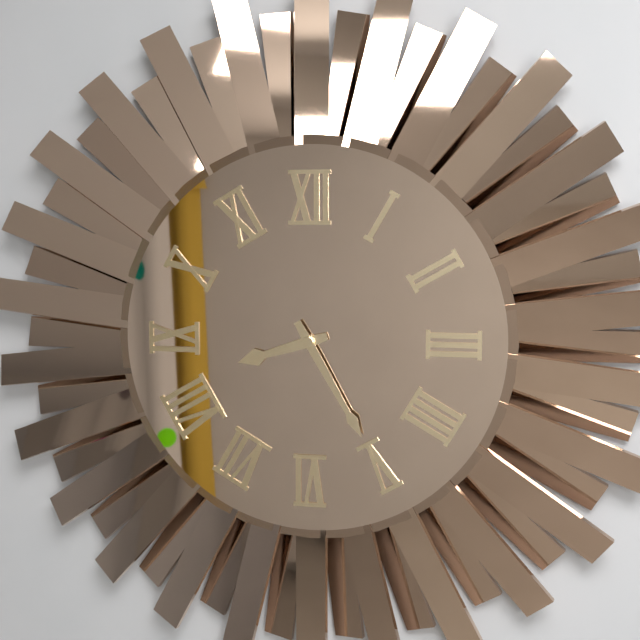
8:25
